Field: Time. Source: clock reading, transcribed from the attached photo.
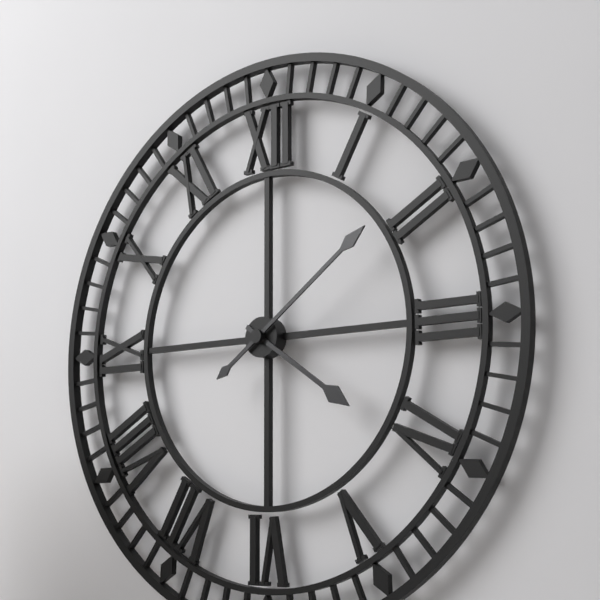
4:09
